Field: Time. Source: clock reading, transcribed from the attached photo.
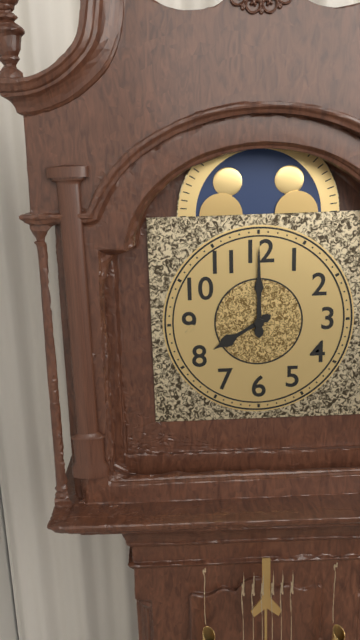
8:00
